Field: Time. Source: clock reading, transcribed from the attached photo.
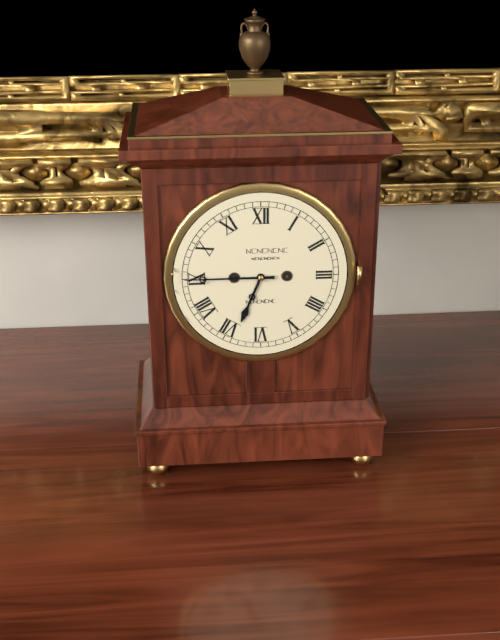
6:45
